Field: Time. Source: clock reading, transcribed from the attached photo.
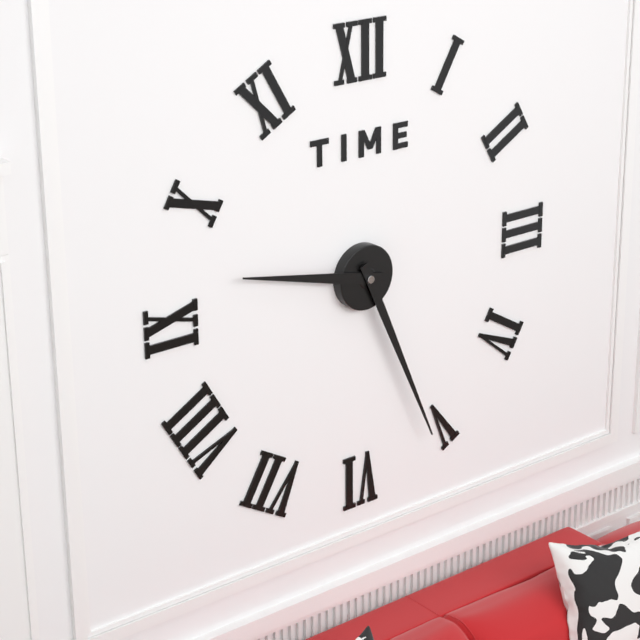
9:26
